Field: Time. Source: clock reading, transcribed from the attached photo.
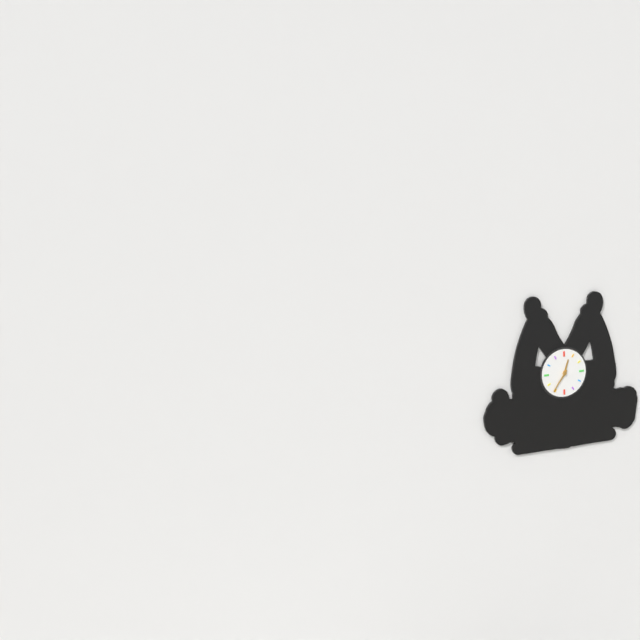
12:36
